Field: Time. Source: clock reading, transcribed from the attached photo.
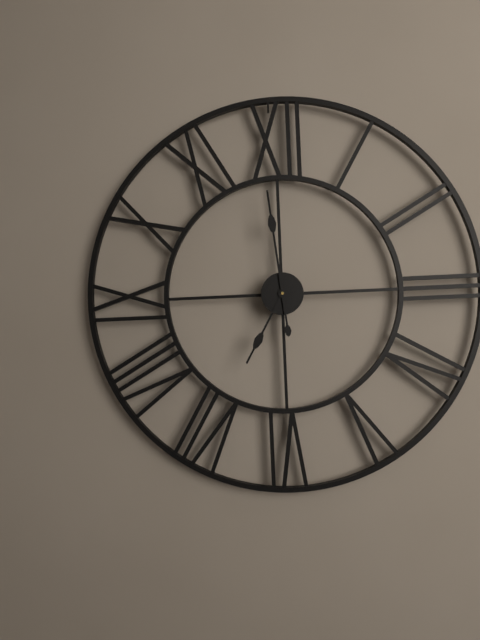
6:59
